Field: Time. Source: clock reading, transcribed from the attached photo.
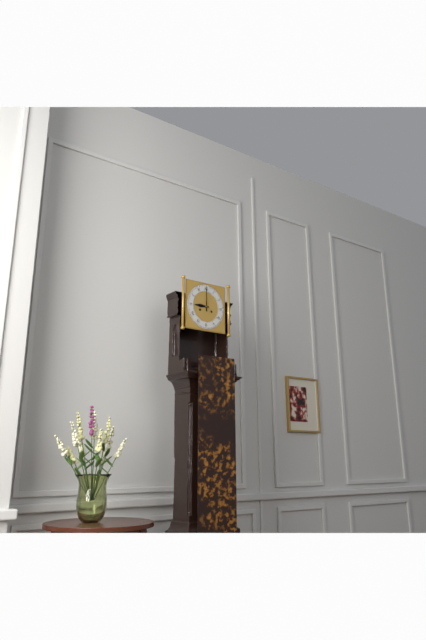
9:00
